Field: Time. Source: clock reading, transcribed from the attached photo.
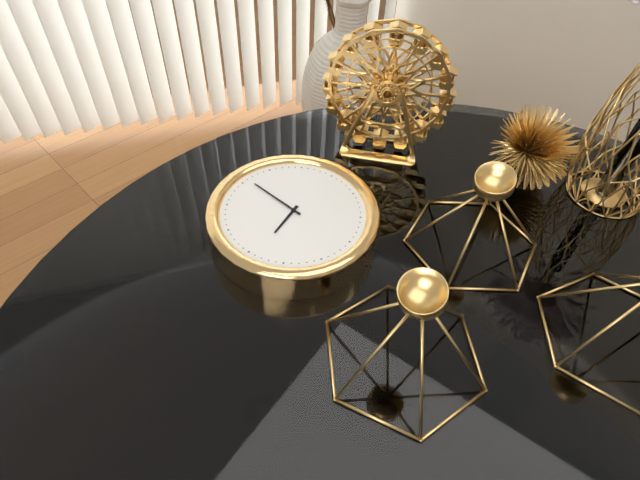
5:46
